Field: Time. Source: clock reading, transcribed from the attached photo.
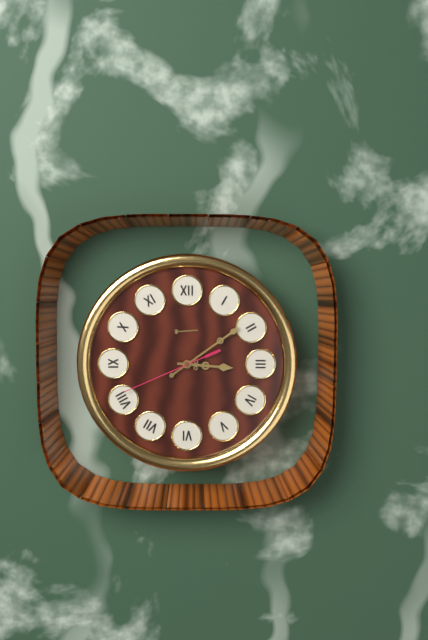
3:09:41
